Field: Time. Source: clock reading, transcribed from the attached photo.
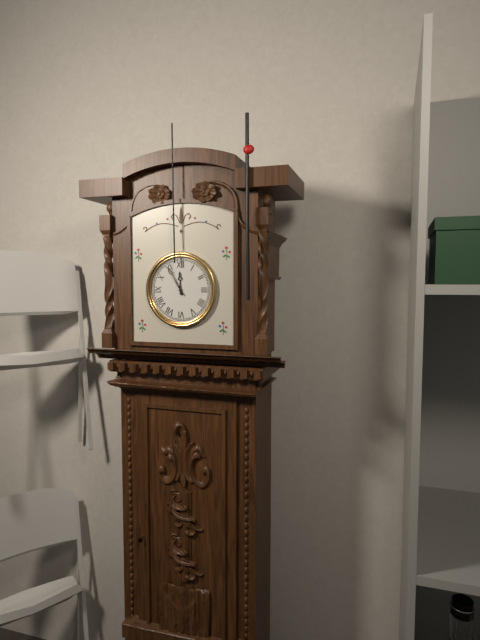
11:55
